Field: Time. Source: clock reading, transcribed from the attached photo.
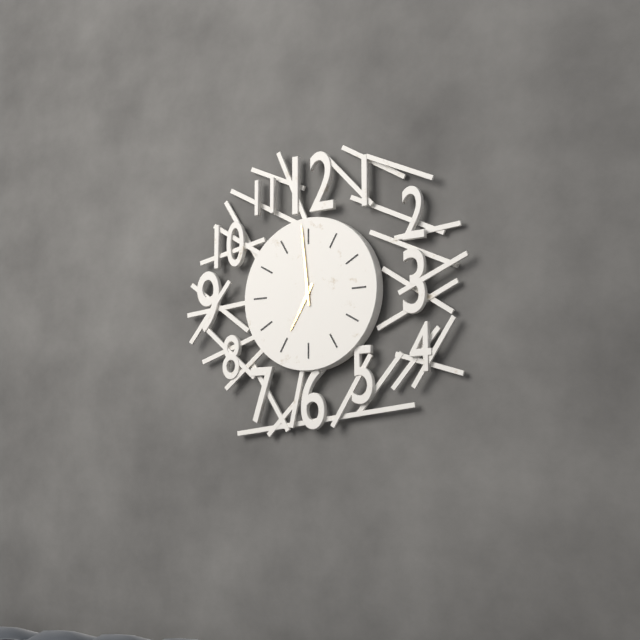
6:59
